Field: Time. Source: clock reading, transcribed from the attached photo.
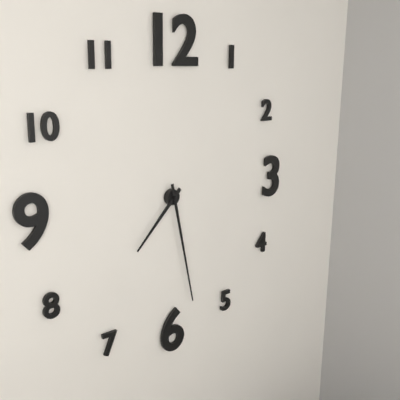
7:28
